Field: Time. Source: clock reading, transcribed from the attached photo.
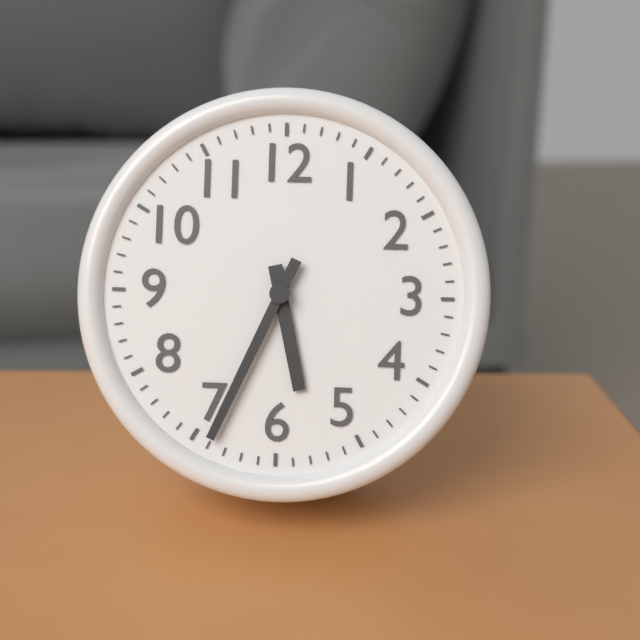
5:34
